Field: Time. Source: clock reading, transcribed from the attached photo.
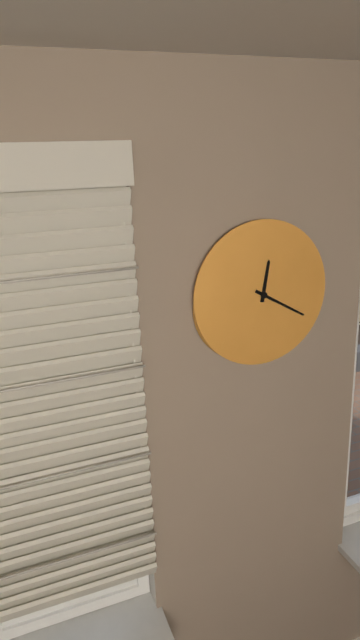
12:20
